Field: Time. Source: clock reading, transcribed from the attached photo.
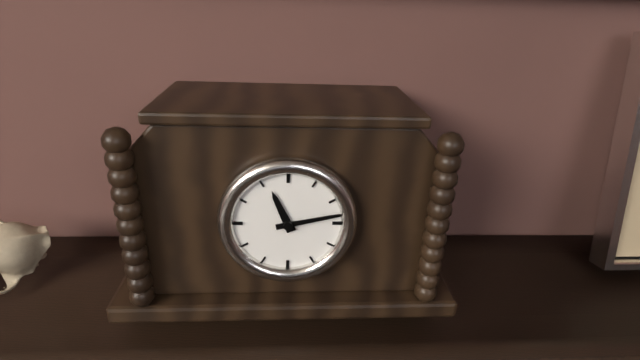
11:13
